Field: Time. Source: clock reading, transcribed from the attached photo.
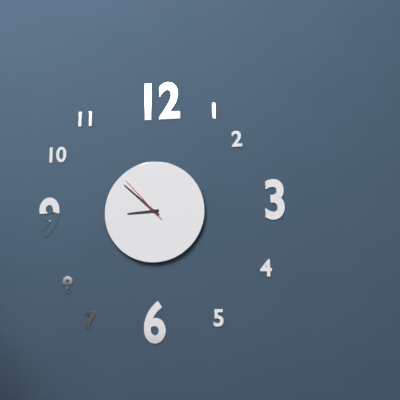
8:52:53
